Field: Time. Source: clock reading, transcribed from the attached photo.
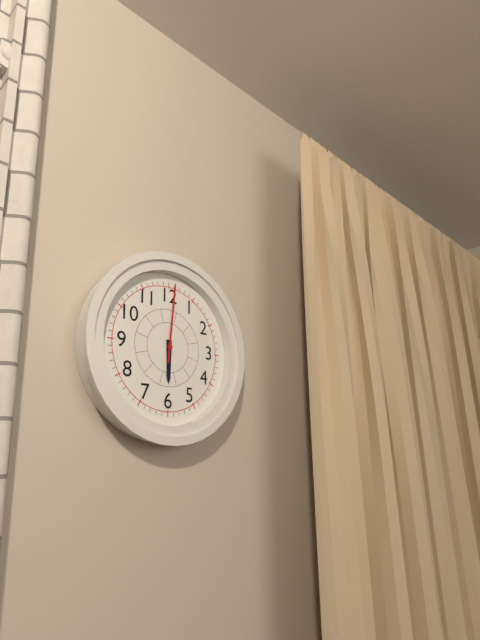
6:01
